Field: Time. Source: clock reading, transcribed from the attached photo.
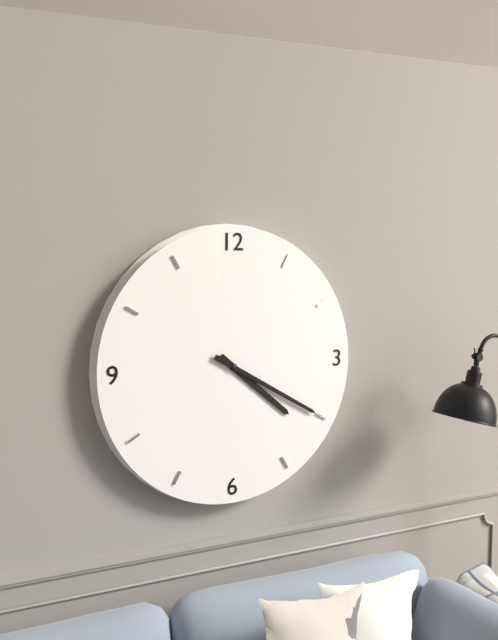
4:20
